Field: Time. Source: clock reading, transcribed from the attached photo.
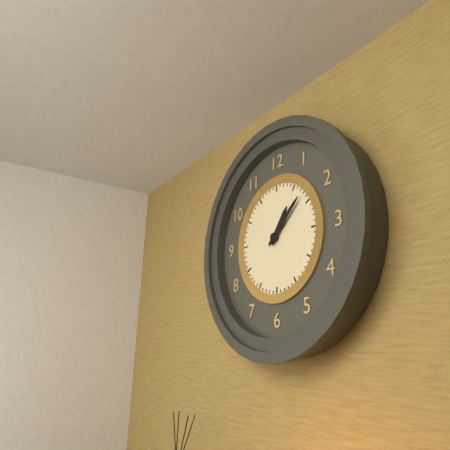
1:08
